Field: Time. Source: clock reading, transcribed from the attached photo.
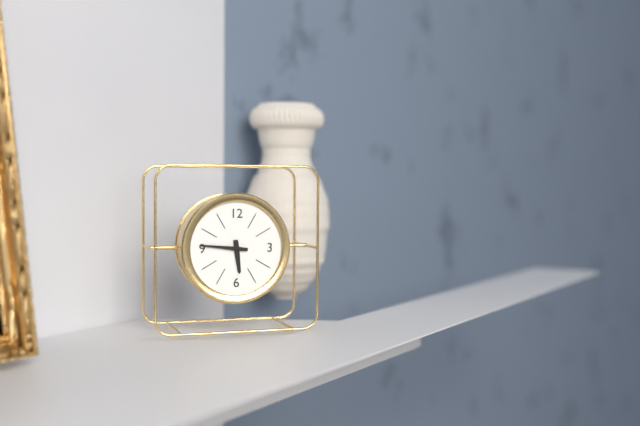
5:46
